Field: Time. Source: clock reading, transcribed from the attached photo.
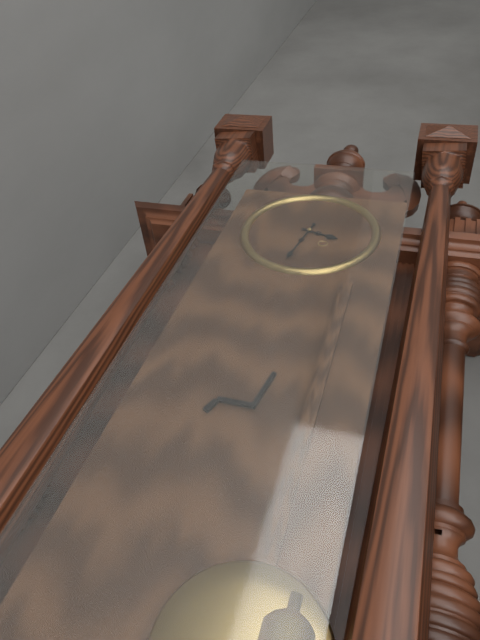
3:32
